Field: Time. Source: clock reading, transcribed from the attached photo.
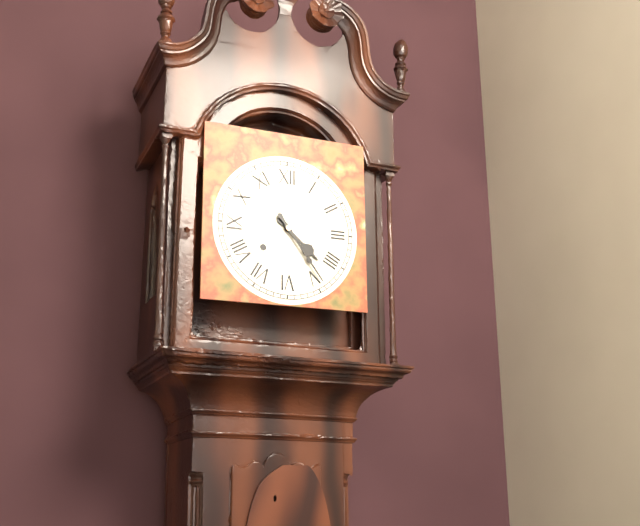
4:24
